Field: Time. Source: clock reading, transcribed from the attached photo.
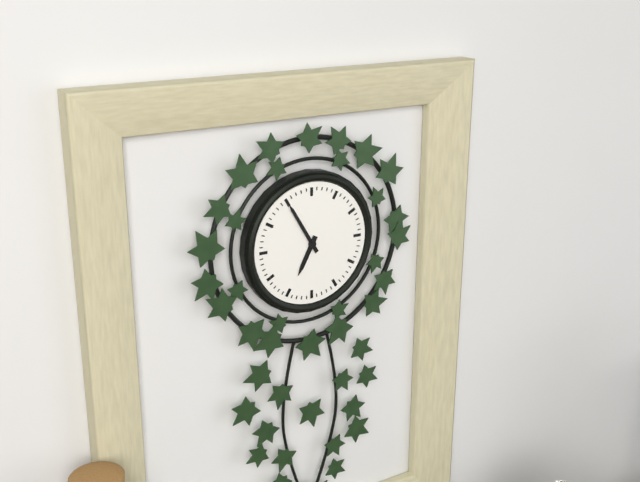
6:55
